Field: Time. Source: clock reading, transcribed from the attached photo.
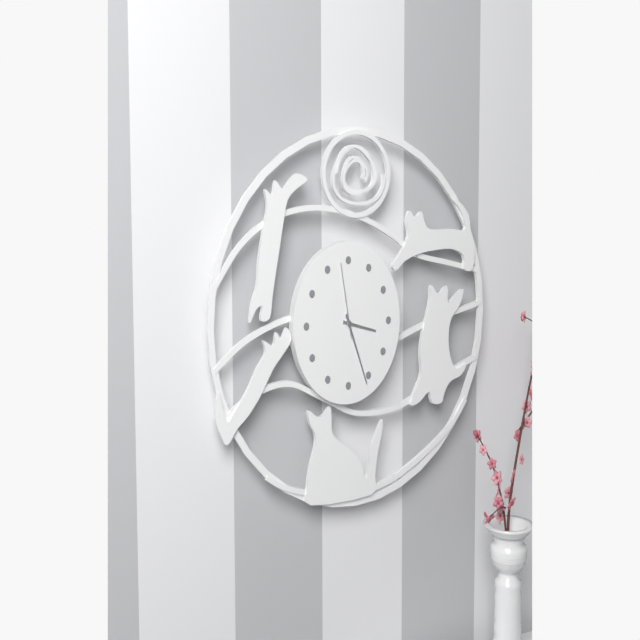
3:26:58
